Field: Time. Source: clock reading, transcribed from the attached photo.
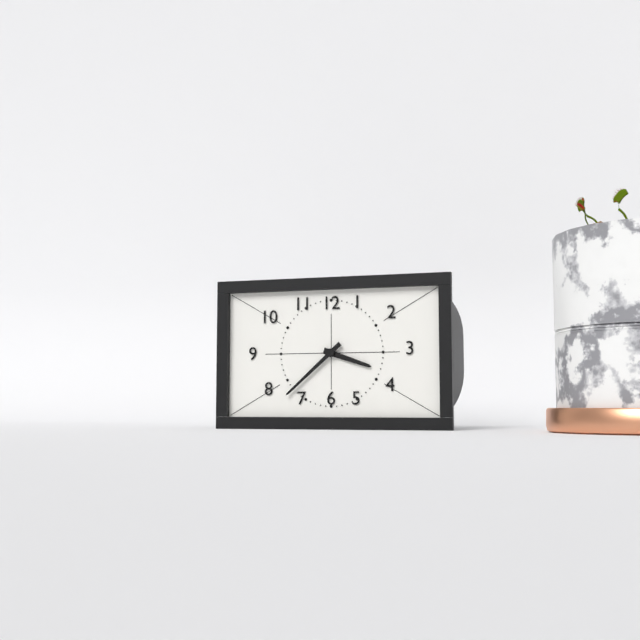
3:38
